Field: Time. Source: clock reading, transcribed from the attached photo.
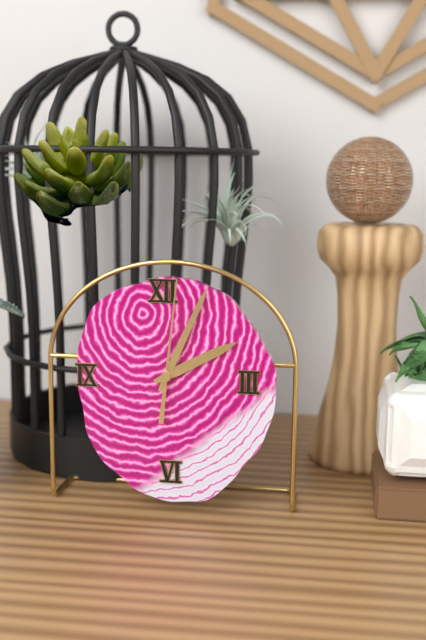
2:04:01
